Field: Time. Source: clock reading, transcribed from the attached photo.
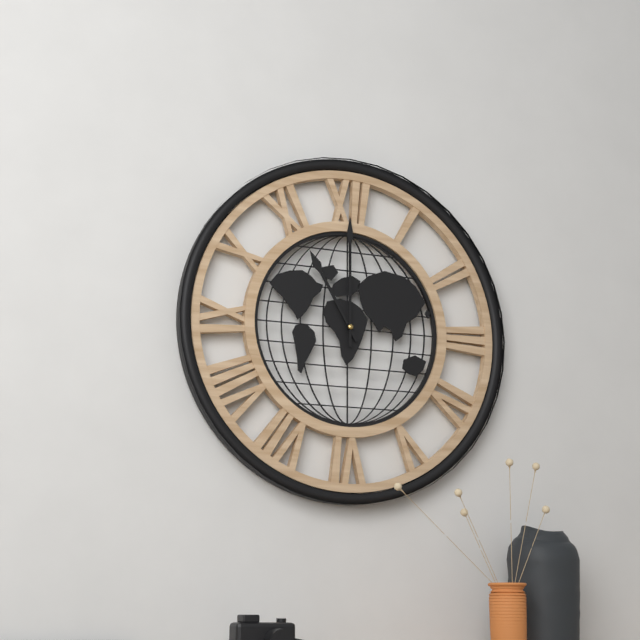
11:00
